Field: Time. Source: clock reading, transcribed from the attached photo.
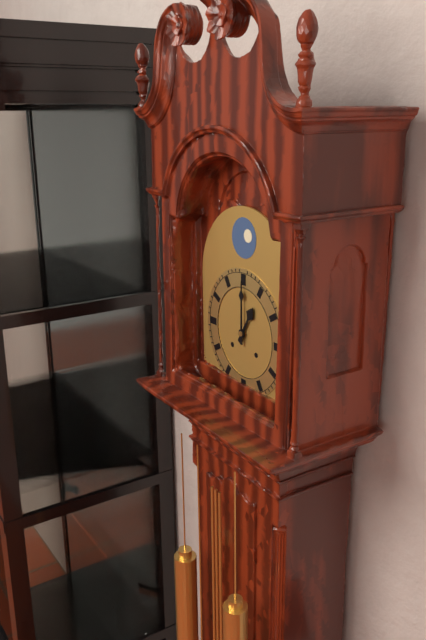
1:00
